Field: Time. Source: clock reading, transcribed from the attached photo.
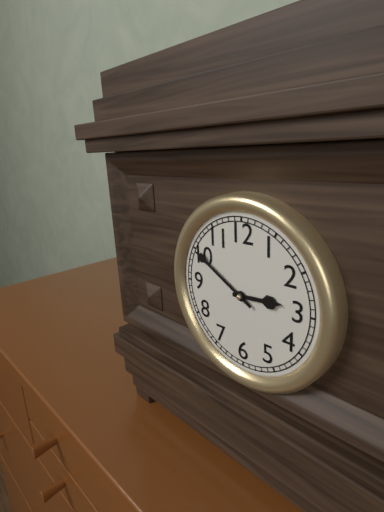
2:50
